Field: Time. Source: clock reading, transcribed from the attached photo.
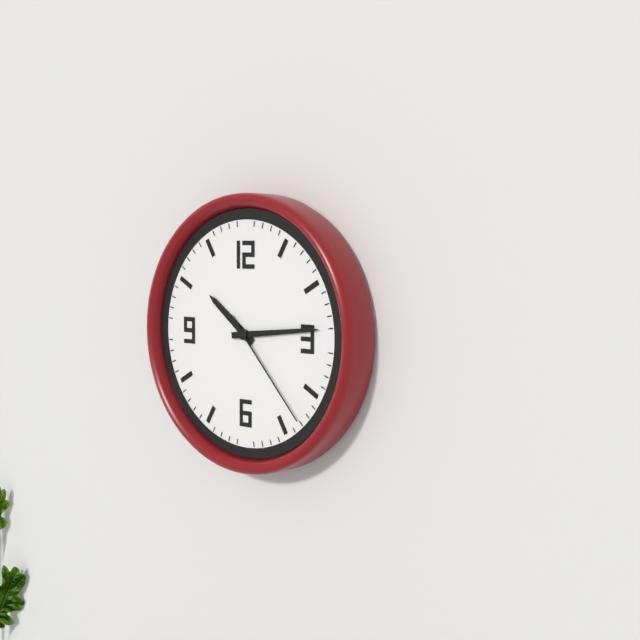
10:14:23
